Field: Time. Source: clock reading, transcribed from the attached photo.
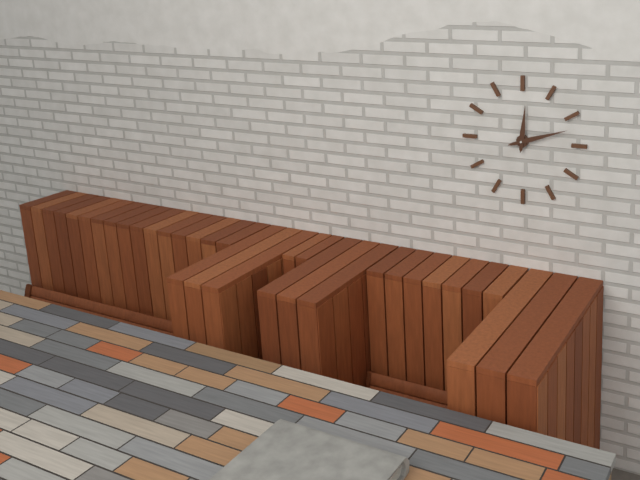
12:12
